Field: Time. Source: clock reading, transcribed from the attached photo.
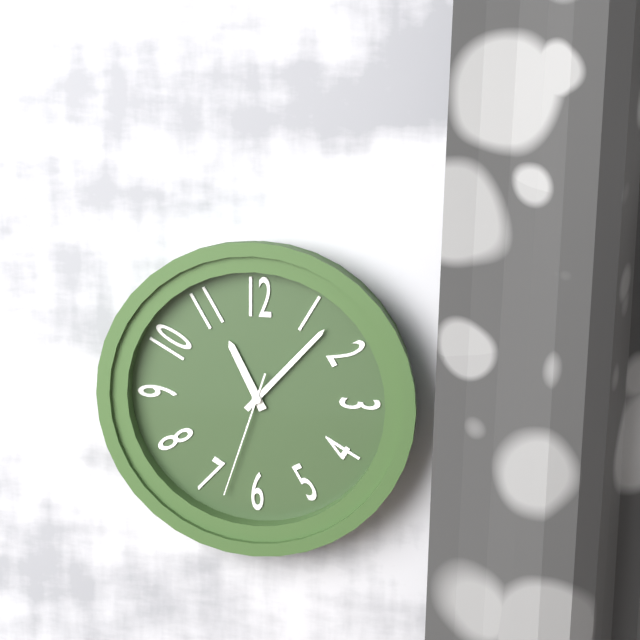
11:07:33
